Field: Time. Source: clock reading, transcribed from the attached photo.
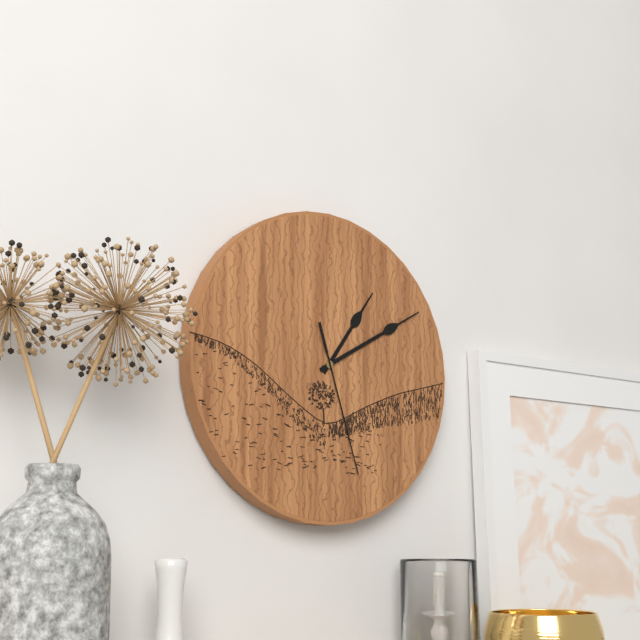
1:10:27
